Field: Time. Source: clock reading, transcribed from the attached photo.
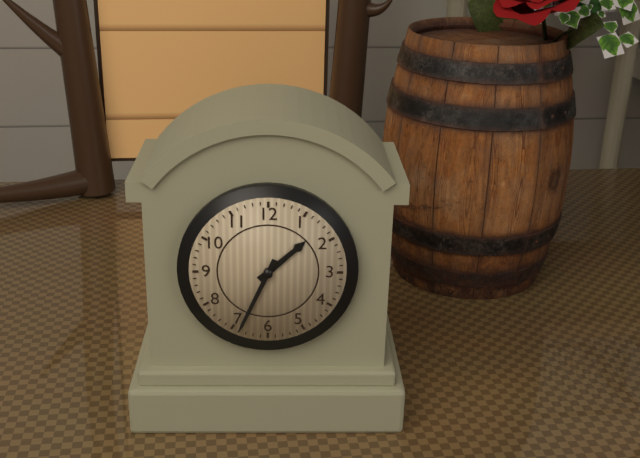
1:34
